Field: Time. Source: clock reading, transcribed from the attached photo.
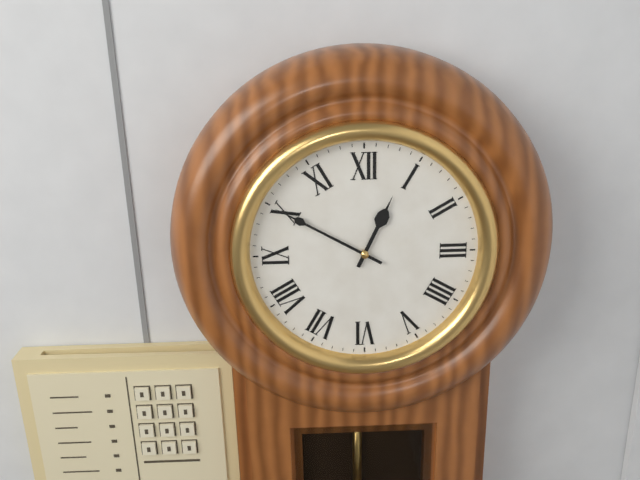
12:50
